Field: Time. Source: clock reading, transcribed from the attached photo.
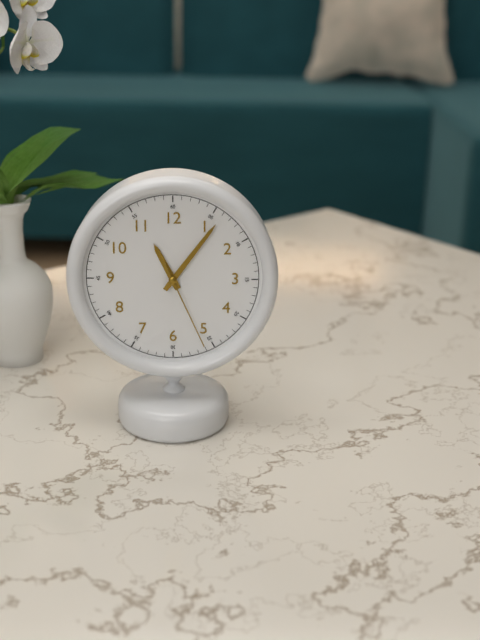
11:06:26
